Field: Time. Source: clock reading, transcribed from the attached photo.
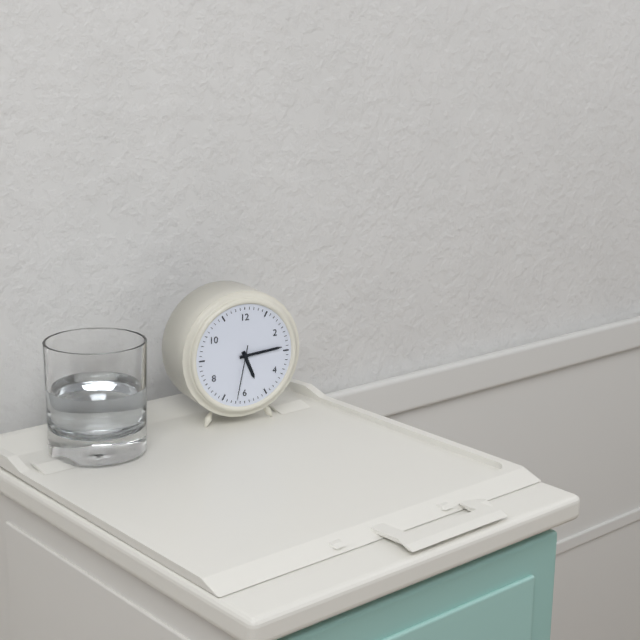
5:14:32
